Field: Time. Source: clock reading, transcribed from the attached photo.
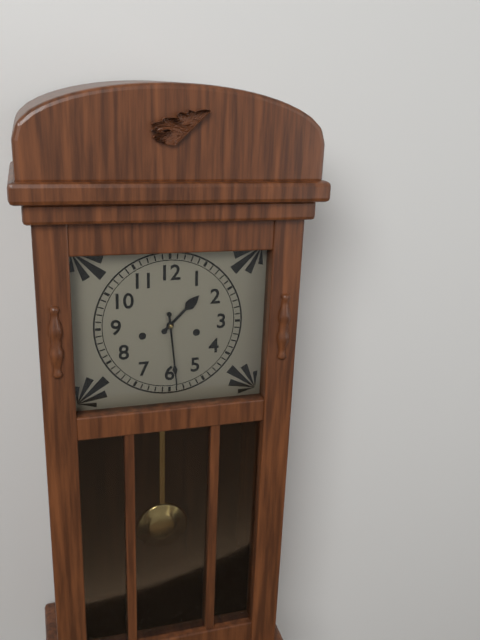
1:29
